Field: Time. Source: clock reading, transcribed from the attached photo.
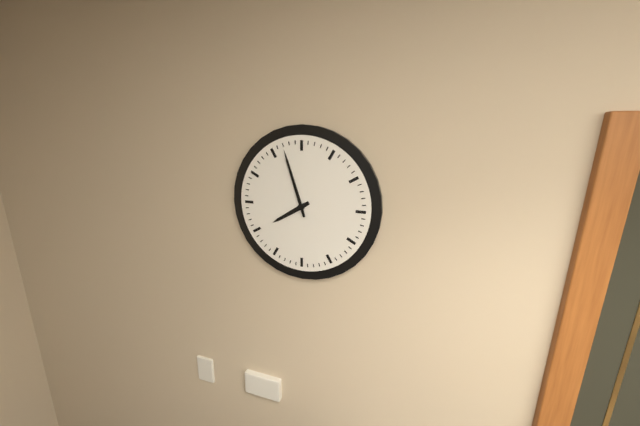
7:57
